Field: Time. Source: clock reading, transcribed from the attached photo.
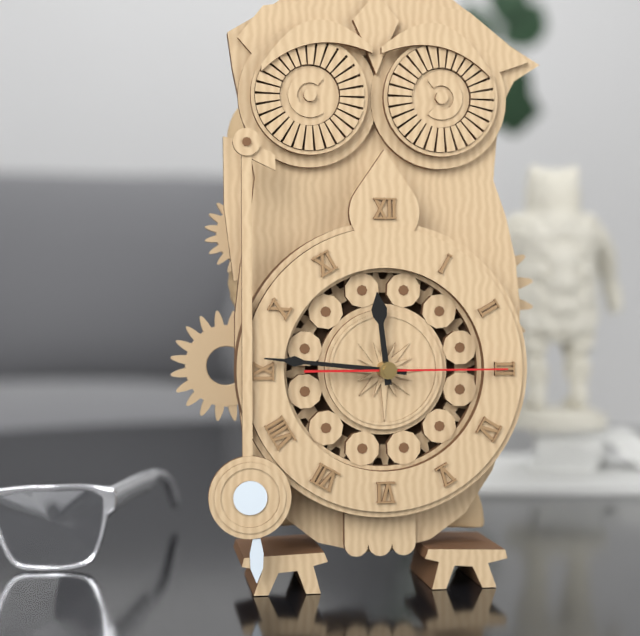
11:46:15
